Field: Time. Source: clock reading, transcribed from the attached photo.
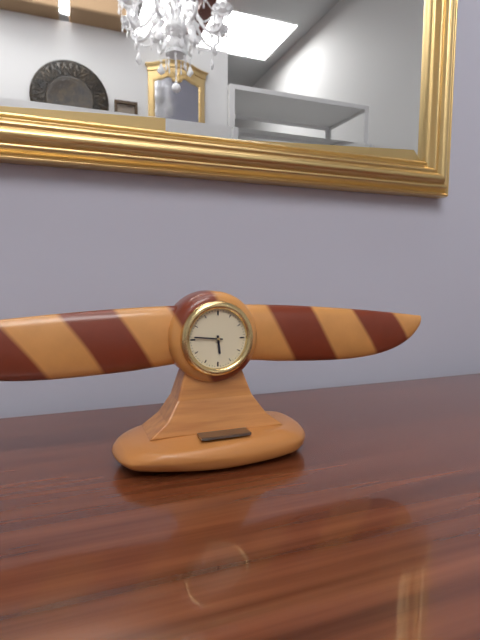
5:46
